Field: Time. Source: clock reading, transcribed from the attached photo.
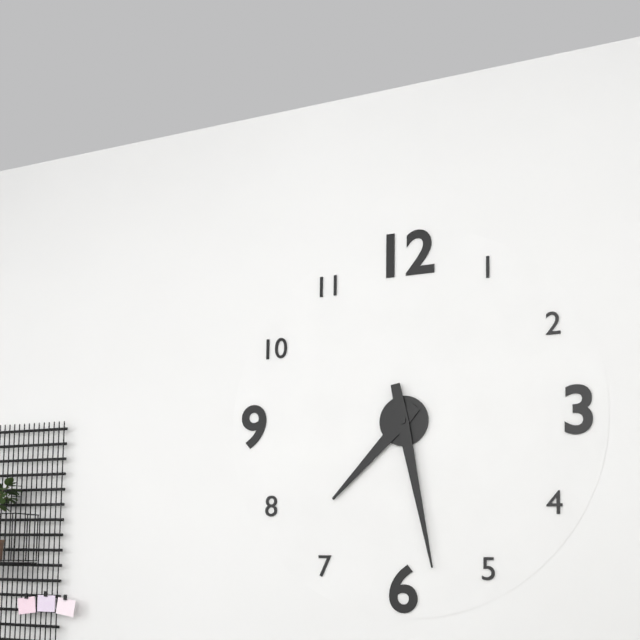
7:28
